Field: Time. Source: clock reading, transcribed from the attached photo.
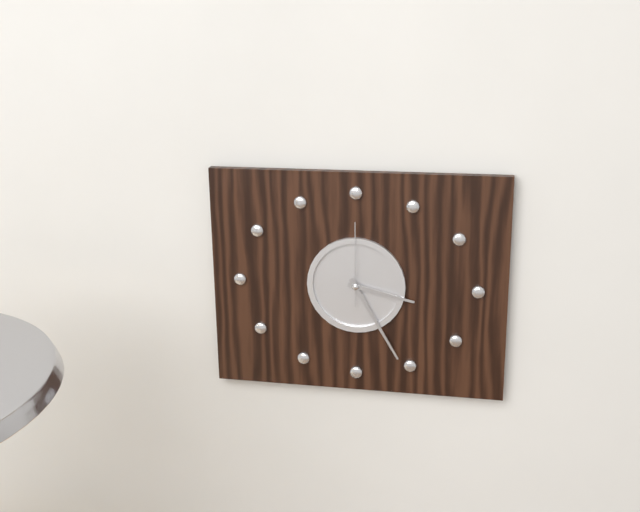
3:25:00
